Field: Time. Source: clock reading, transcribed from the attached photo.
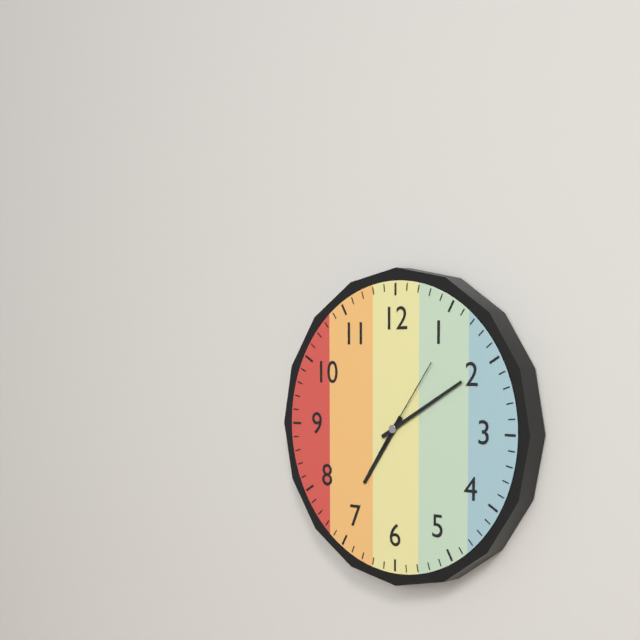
7:10:06
